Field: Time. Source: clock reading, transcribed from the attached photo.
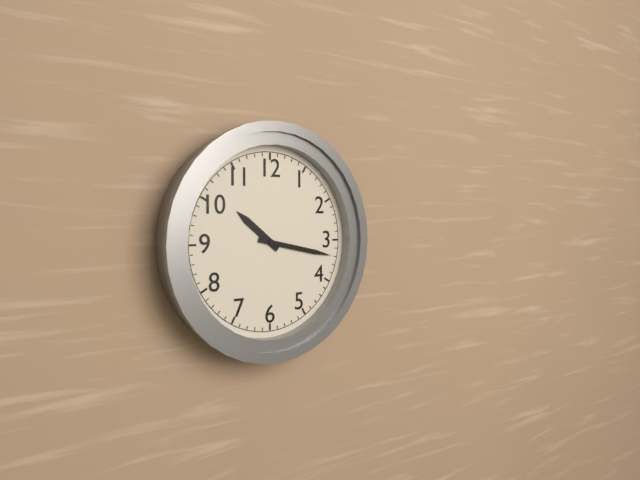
10:17
